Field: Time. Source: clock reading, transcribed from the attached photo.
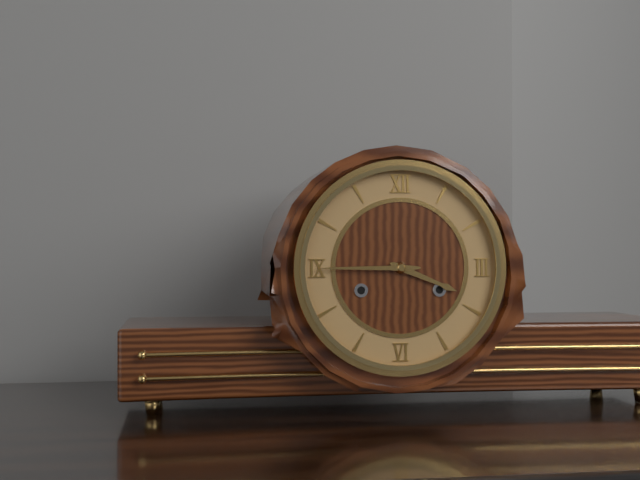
3:45
